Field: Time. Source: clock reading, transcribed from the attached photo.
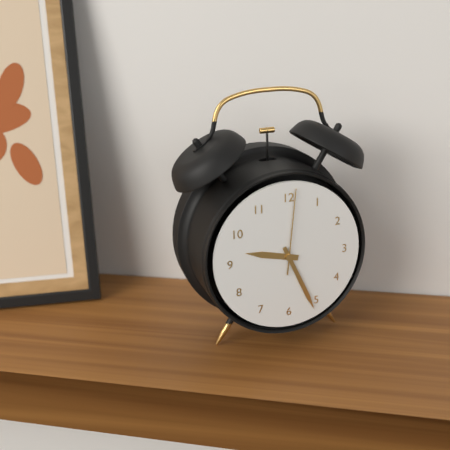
9:26:01
